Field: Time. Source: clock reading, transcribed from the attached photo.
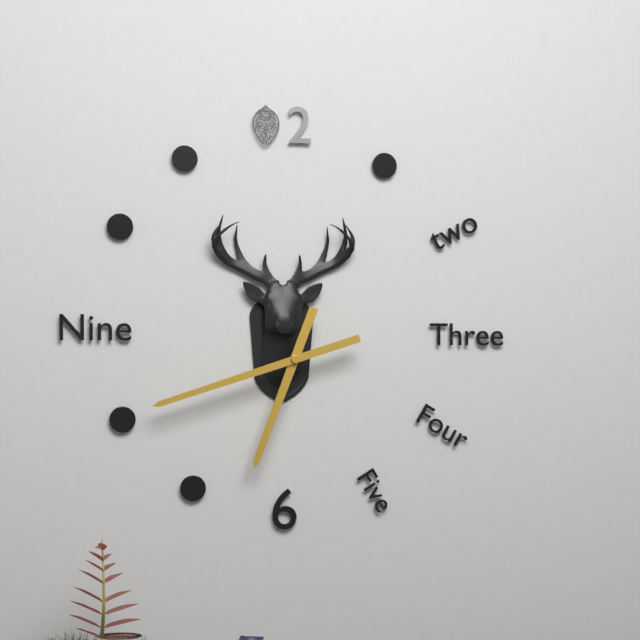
6:42
